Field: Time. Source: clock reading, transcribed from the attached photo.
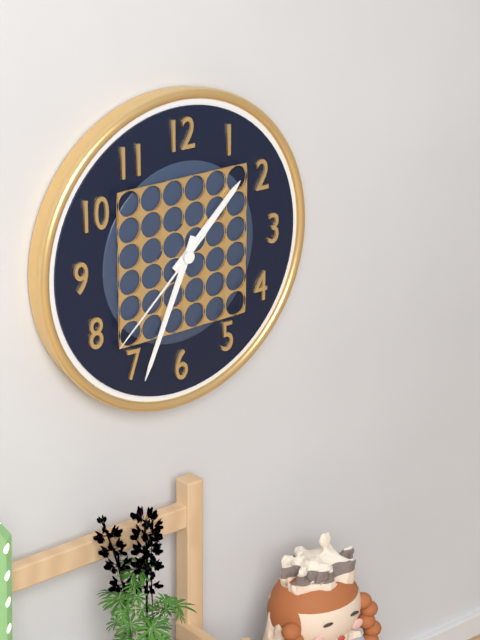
1:34:38
